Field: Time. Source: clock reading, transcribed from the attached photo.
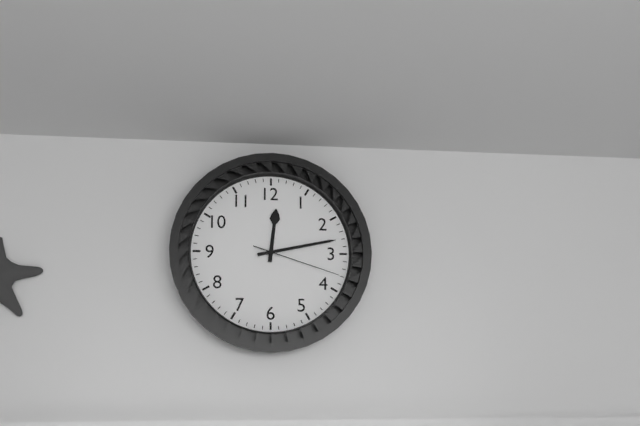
12:13:18
